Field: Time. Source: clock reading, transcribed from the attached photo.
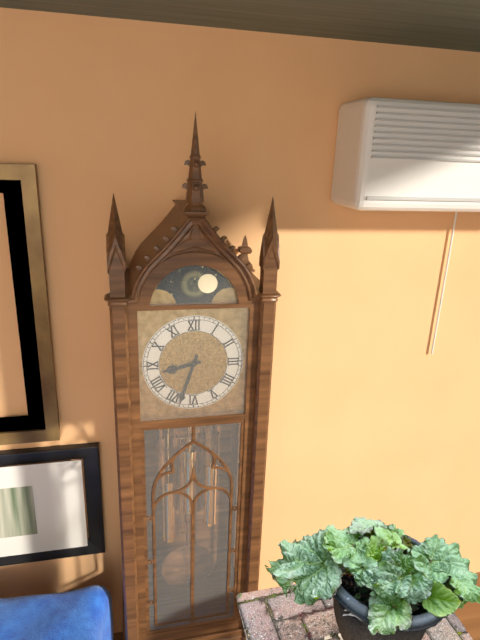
8:33
